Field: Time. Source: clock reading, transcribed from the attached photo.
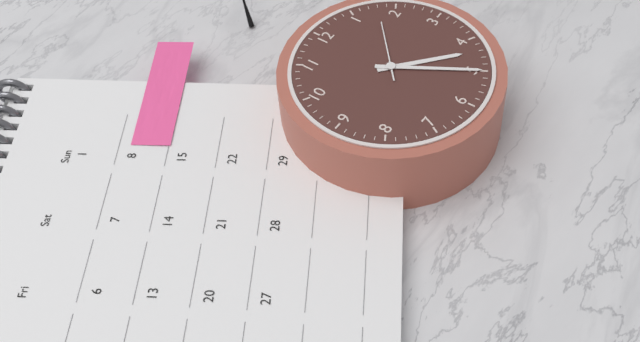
4:25:08
